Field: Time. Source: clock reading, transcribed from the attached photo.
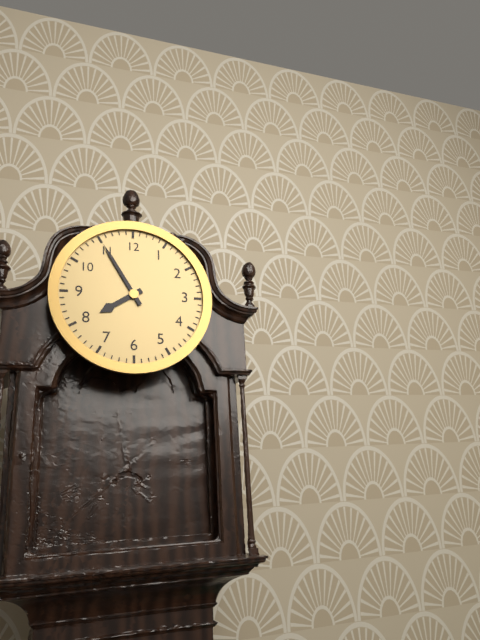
7:55
